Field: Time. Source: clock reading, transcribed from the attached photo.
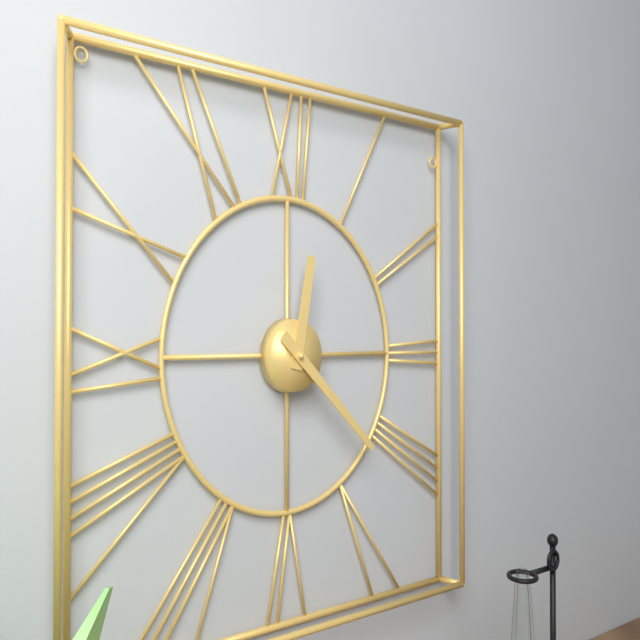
12:22
